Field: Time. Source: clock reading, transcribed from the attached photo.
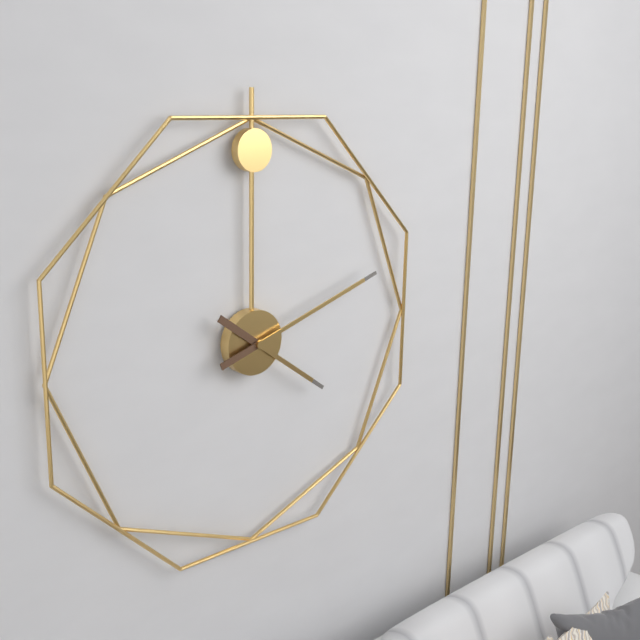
4:12
